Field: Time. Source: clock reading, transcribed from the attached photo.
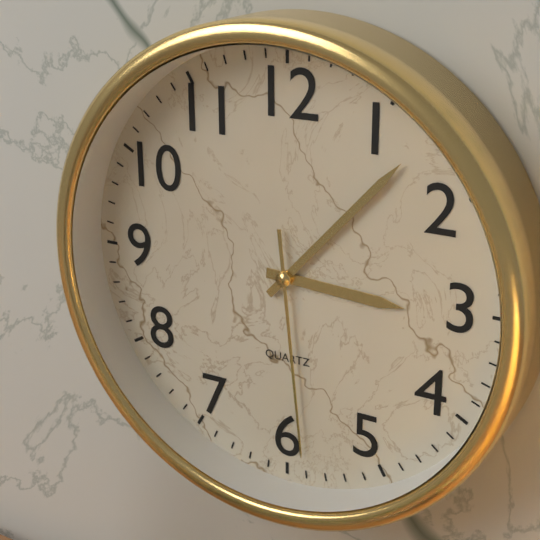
3:07:29
